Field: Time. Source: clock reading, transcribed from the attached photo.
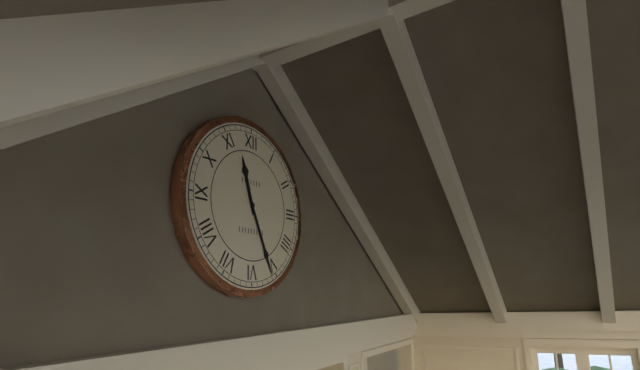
11:26
